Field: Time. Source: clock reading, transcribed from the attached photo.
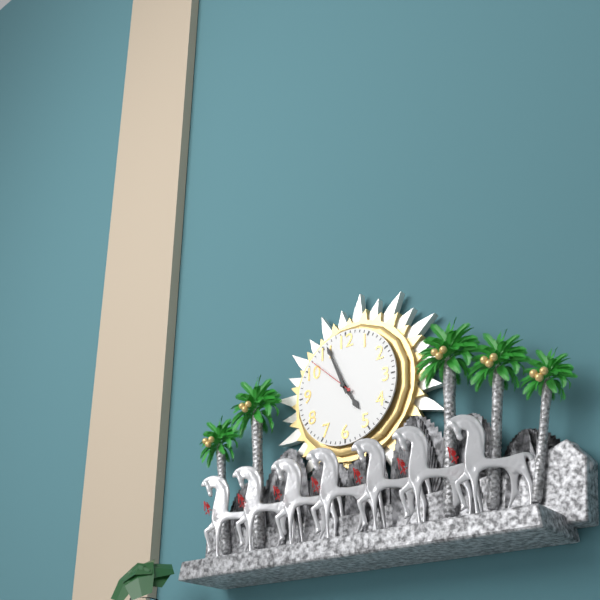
4:56
